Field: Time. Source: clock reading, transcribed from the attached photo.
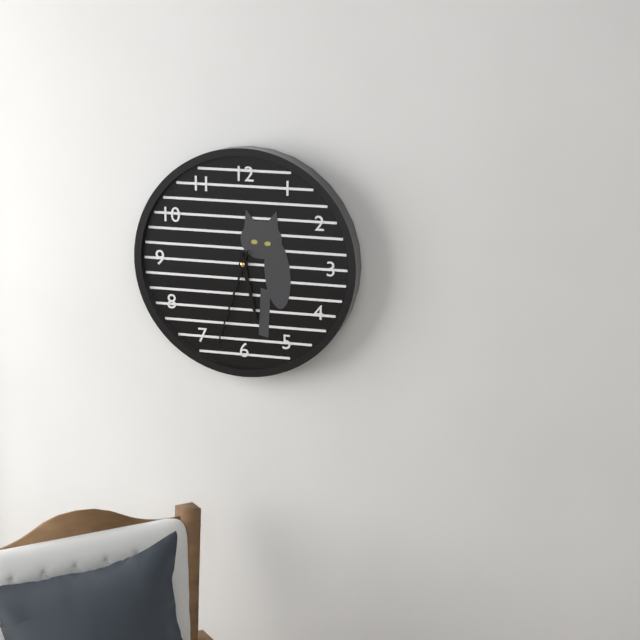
5:33
